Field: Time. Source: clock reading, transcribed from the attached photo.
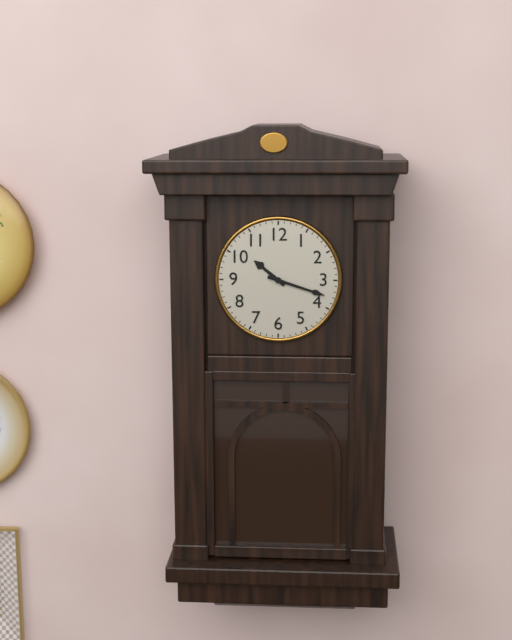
10:18
